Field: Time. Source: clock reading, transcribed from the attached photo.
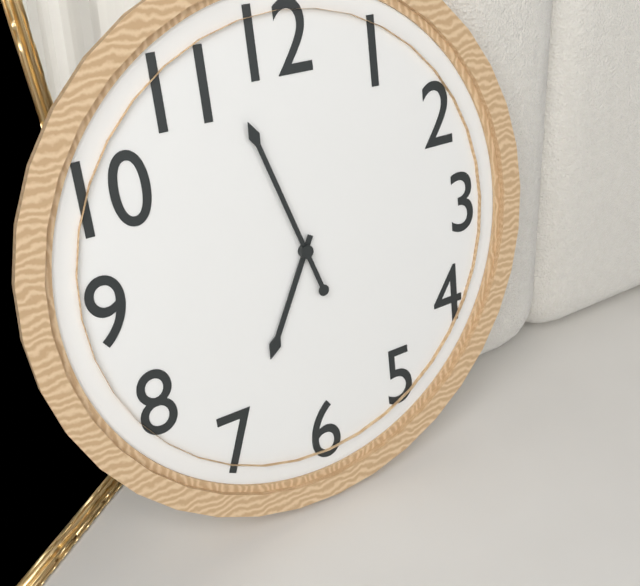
6:57
